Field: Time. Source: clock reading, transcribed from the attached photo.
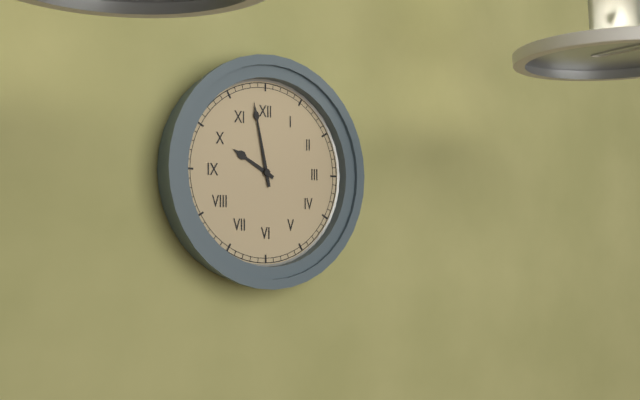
9:58
